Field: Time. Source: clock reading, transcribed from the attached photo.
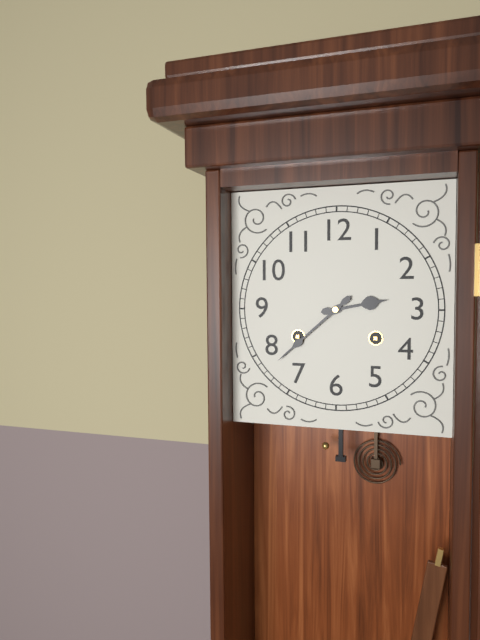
2:38
